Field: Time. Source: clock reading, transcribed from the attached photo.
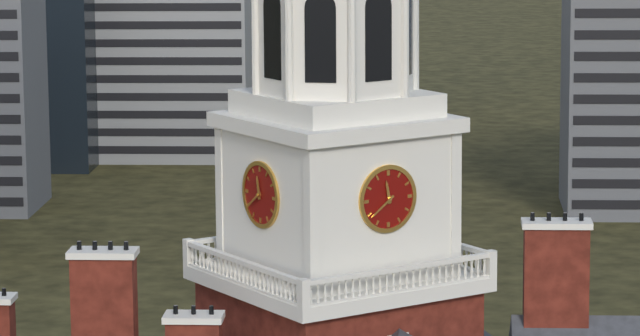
11:39
